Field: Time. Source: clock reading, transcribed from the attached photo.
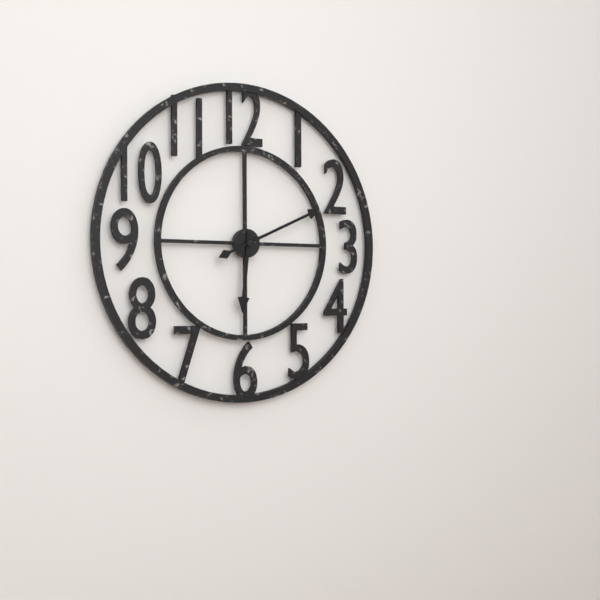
6:11
